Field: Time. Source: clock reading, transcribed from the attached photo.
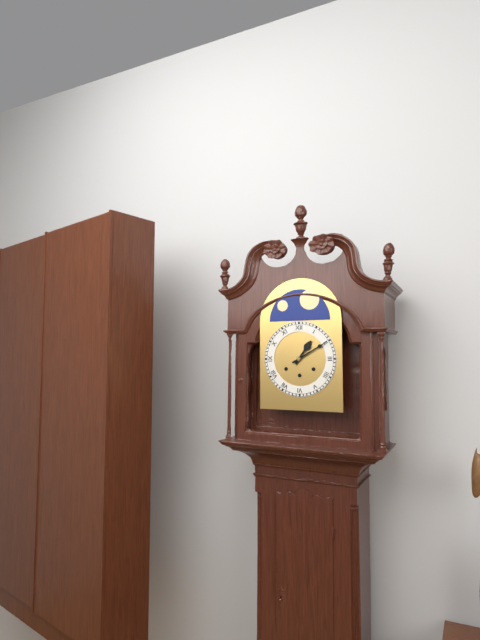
1:10
